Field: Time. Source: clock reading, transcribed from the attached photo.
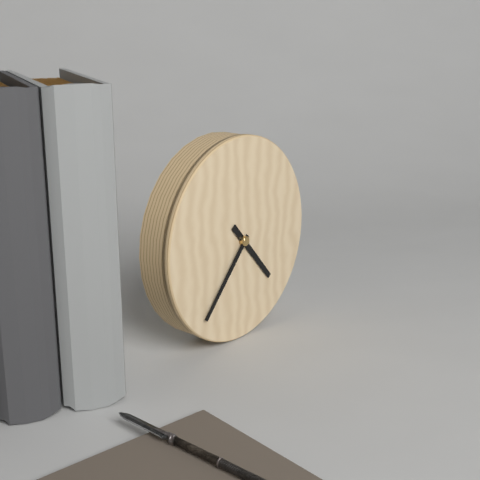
4:37
